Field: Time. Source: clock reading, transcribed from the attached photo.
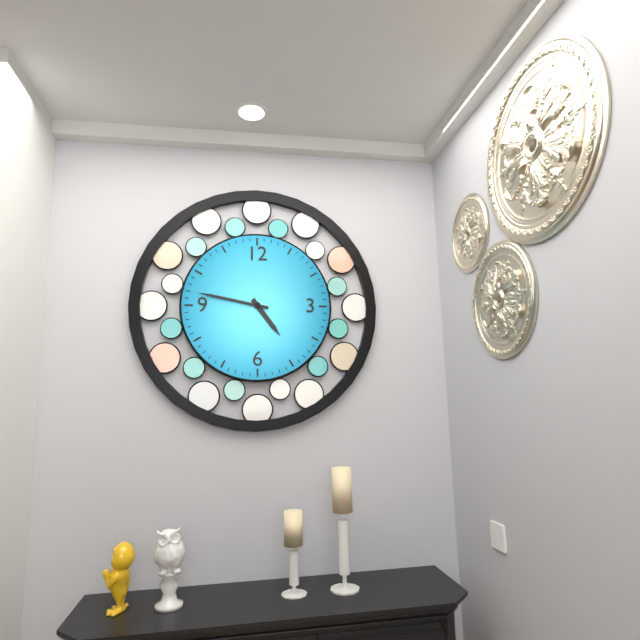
4:47
